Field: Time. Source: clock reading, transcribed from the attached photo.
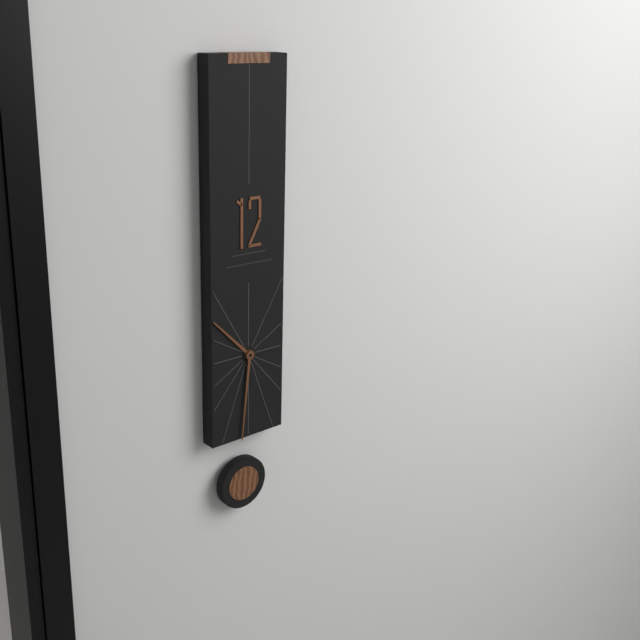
10:31
